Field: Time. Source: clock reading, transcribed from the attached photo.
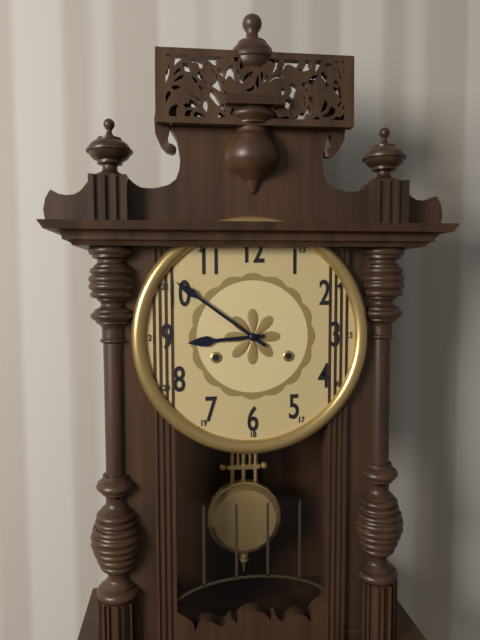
8:51
